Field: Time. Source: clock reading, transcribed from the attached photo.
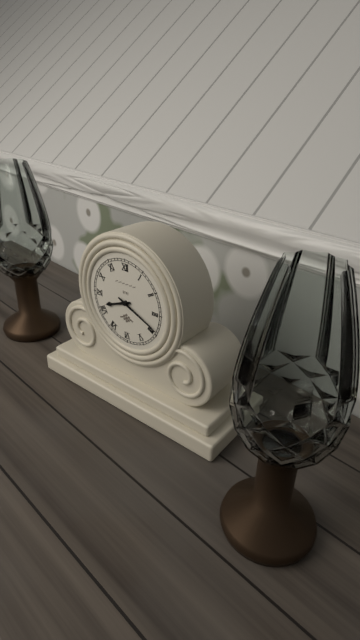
8:19
